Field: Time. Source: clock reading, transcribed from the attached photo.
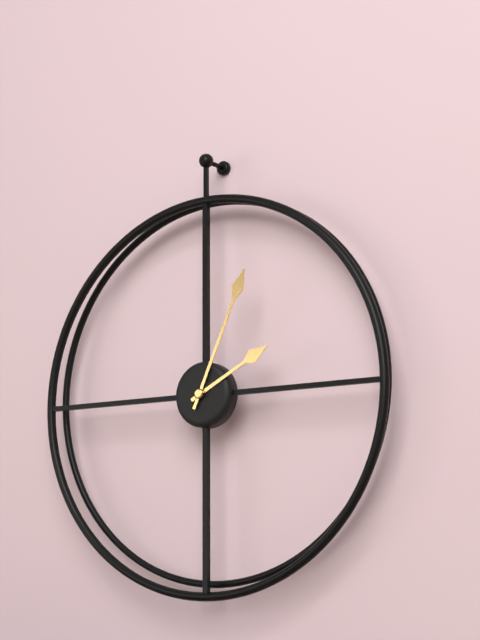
2:04
